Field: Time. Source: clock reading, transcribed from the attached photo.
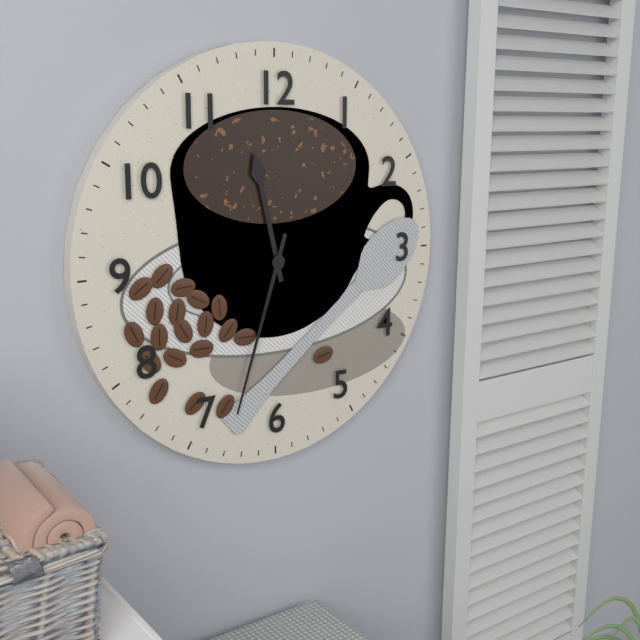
11:33
